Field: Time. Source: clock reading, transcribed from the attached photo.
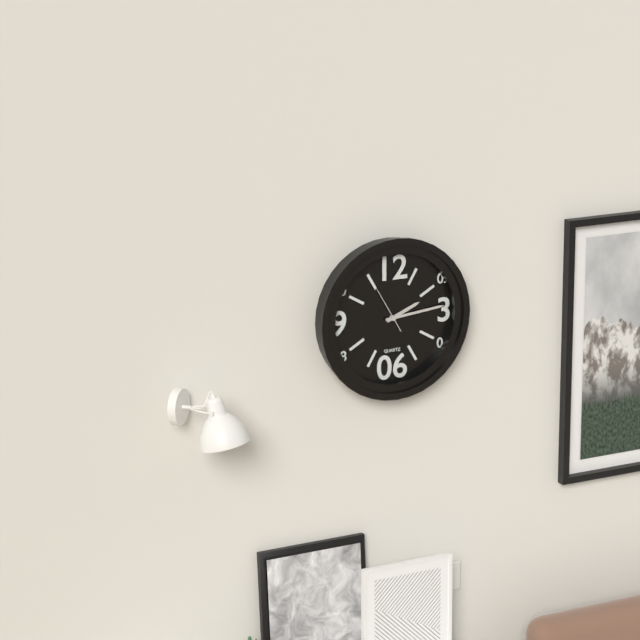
2:14
